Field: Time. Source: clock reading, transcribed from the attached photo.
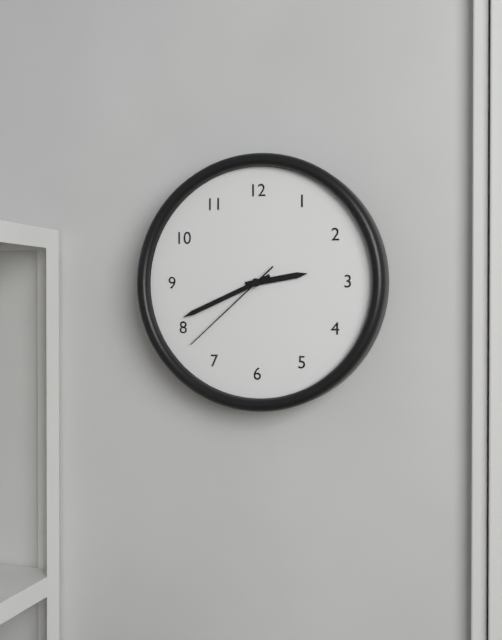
2:41:38
